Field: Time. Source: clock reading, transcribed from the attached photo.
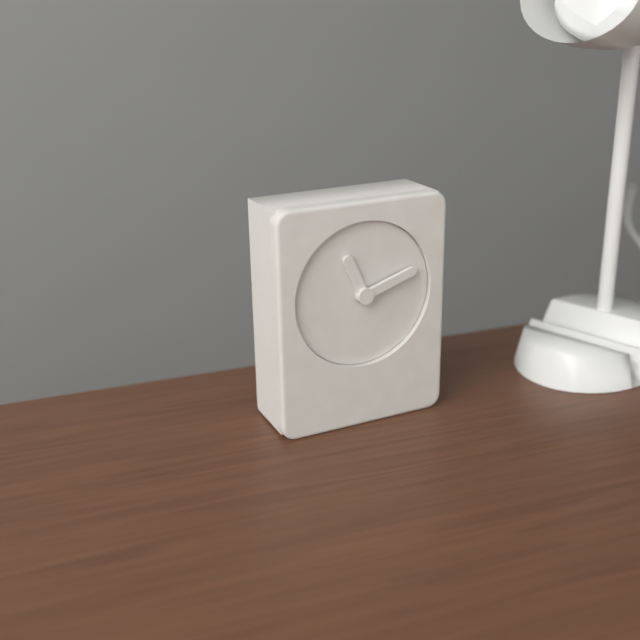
11:12
